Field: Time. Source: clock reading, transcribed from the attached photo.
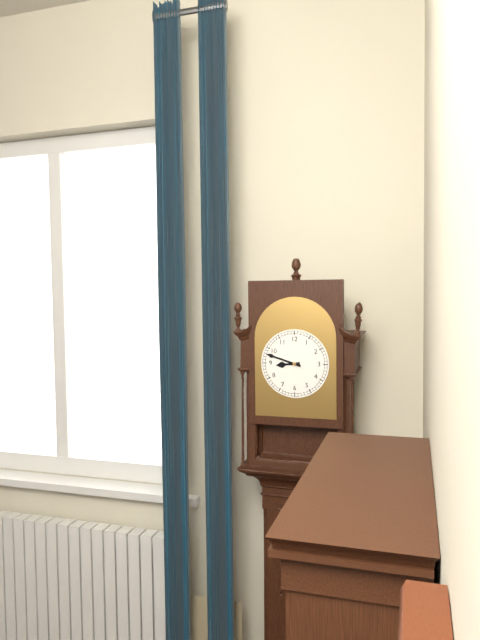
8:48
